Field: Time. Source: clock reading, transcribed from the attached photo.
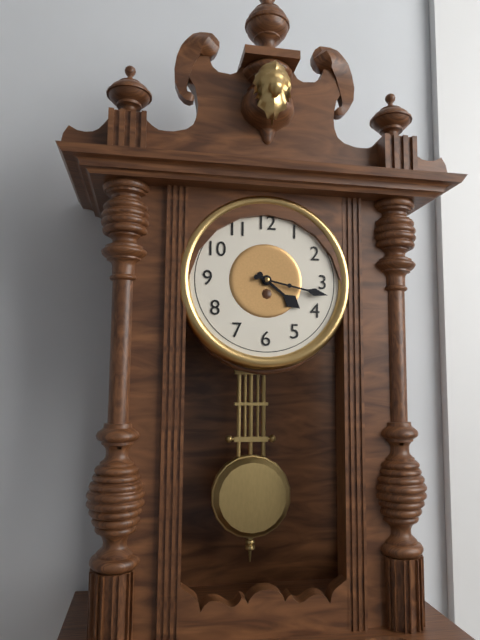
4:17
